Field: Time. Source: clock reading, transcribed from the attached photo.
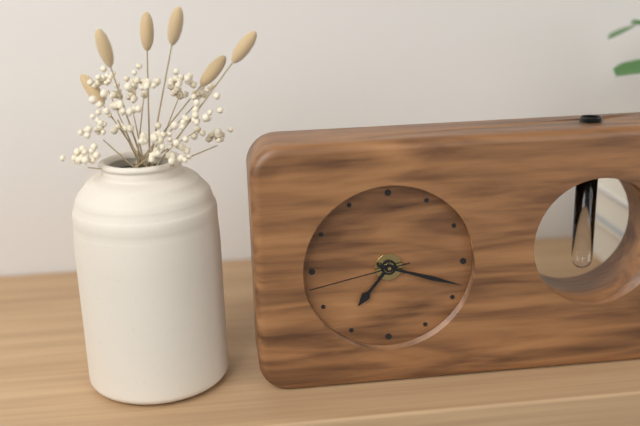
7:18:43
